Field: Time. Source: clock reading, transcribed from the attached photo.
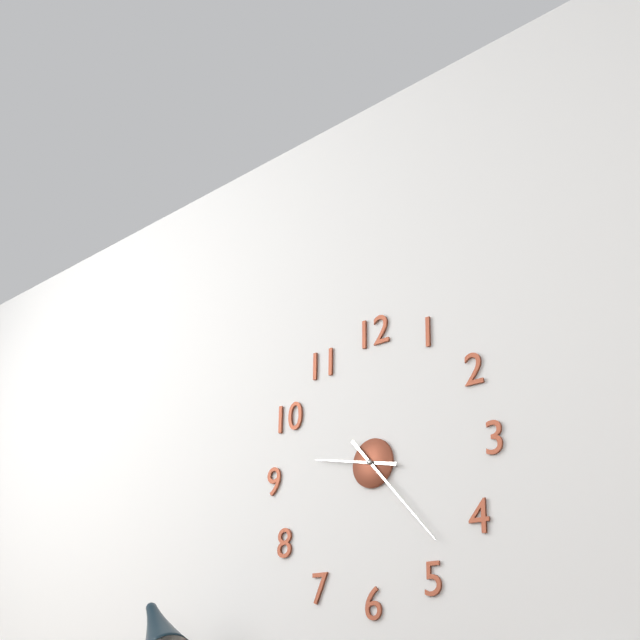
9:23
